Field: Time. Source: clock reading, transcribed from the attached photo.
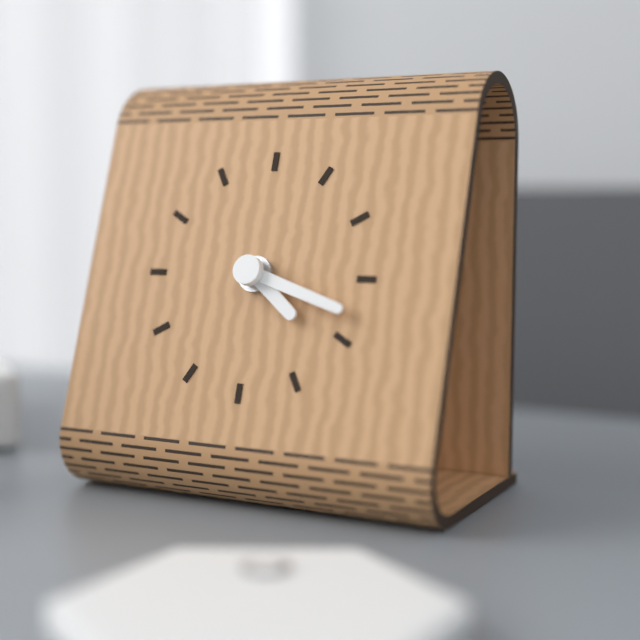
4:18
